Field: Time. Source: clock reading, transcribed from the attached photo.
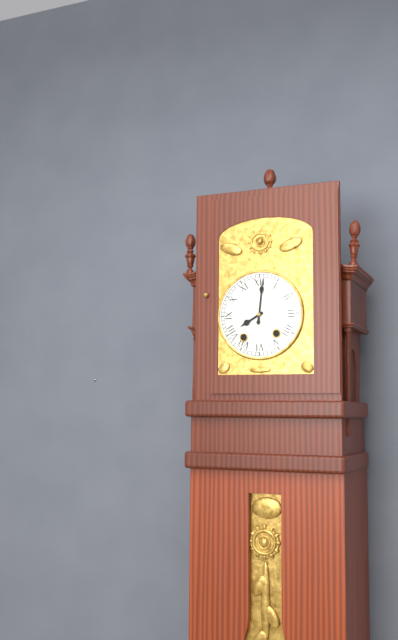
8:01
